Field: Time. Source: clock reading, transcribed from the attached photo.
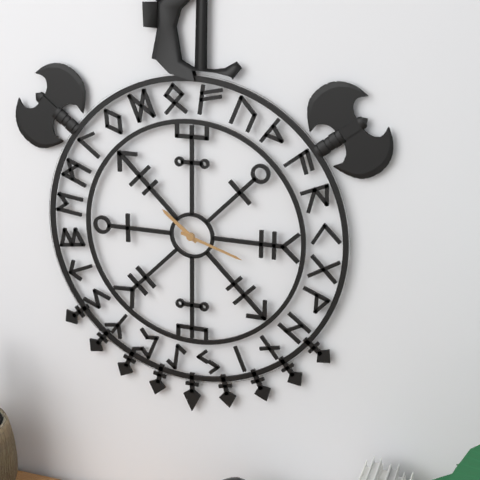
10:18
